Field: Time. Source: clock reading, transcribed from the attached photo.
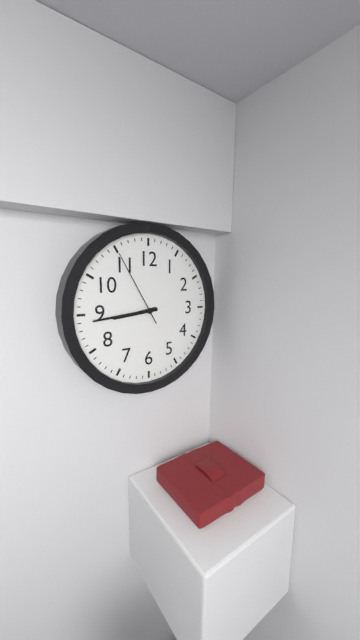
8:44:55
